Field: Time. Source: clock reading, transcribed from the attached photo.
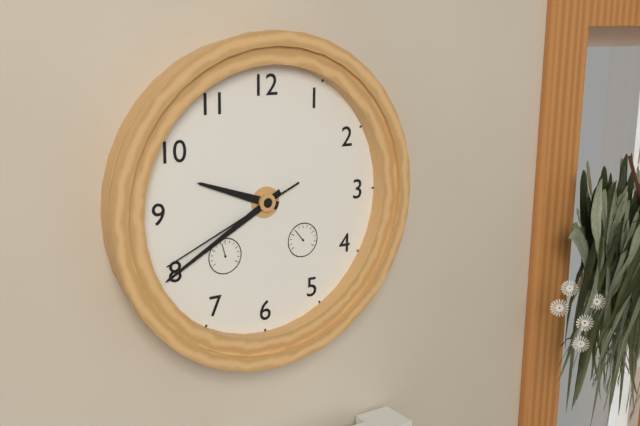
9:40:41
